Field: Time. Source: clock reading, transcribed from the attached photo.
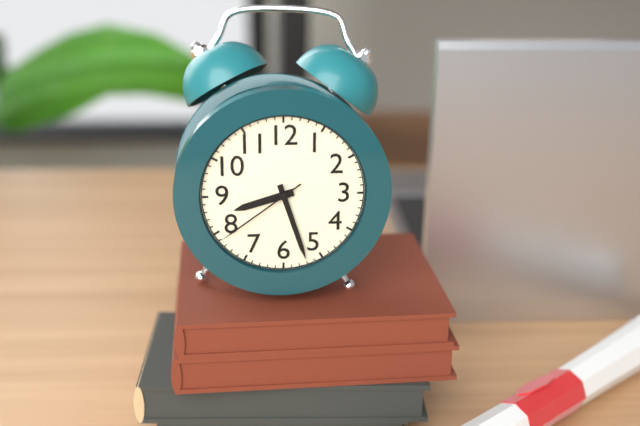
8:27:39
